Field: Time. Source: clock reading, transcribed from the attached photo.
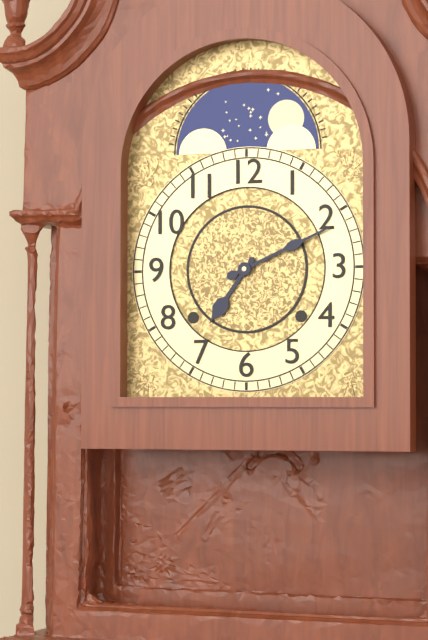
7:11
